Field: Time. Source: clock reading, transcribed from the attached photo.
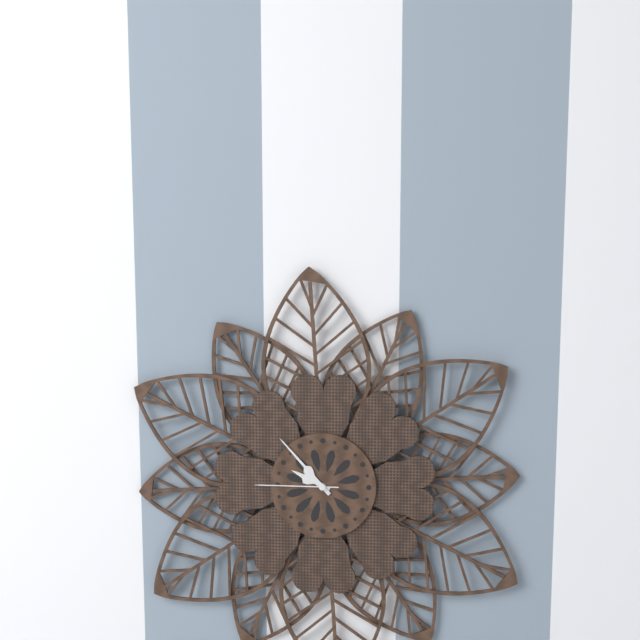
9:53:45
